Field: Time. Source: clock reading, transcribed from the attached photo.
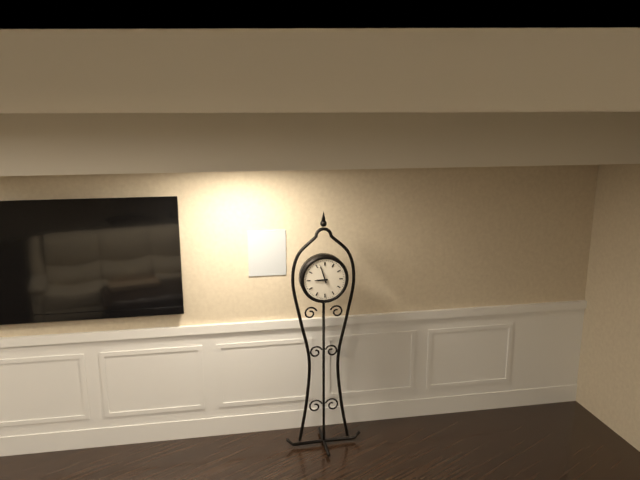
8:57
